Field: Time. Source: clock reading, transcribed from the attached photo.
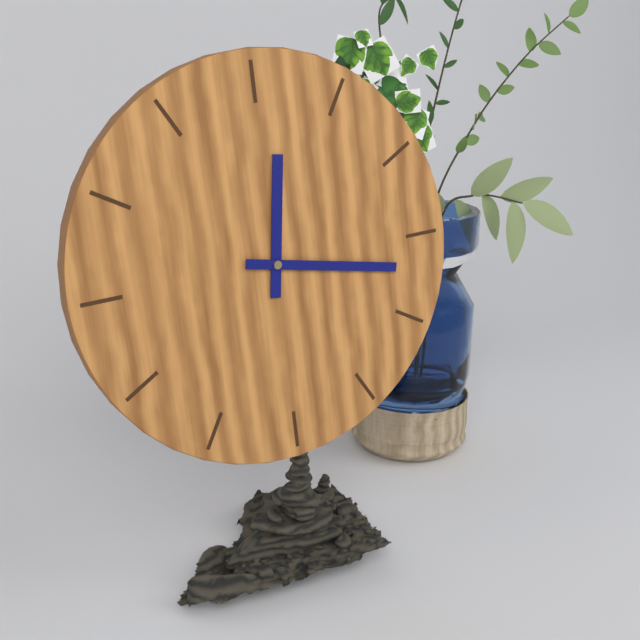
12:17
